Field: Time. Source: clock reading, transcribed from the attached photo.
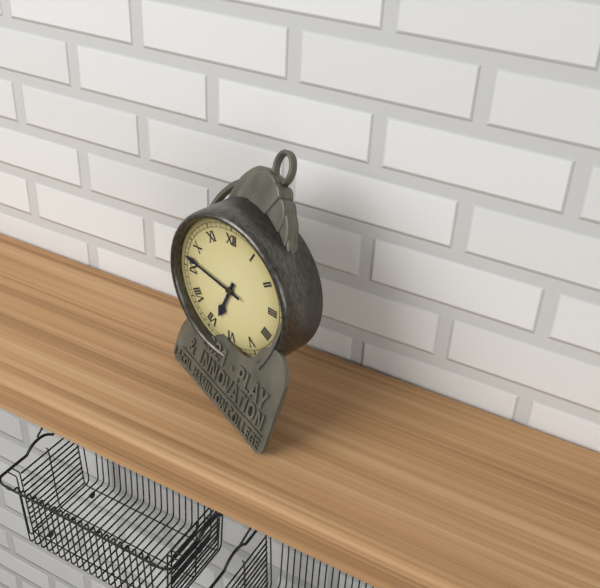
6:47
